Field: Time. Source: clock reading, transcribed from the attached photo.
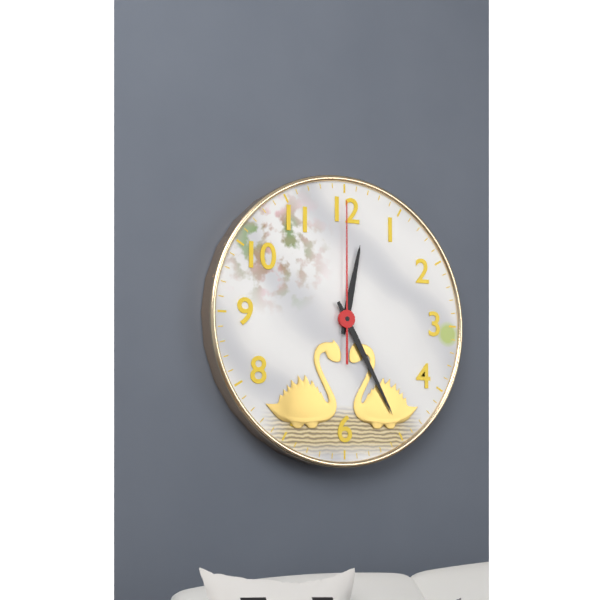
12:25:00
